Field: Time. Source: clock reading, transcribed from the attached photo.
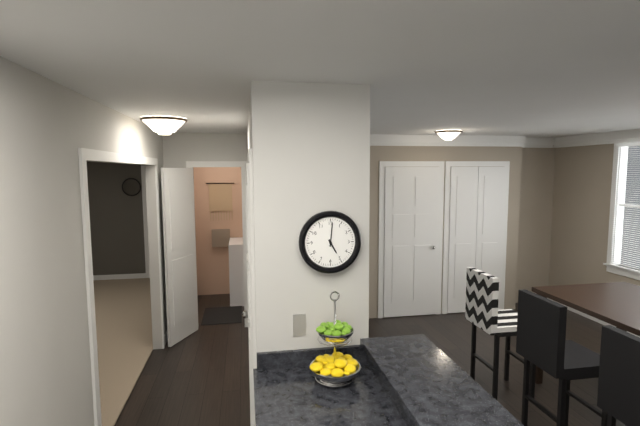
5:01
